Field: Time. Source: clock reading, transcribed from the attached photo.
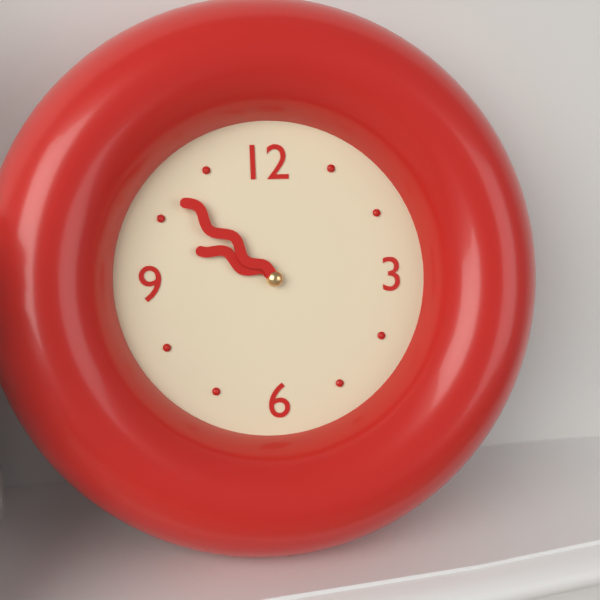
9:52
